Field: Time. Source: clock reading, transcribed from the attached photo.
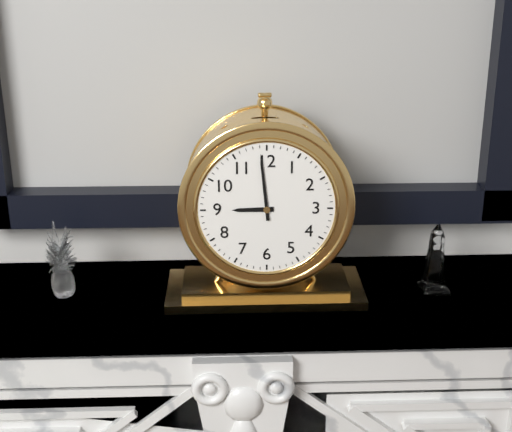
8:59
